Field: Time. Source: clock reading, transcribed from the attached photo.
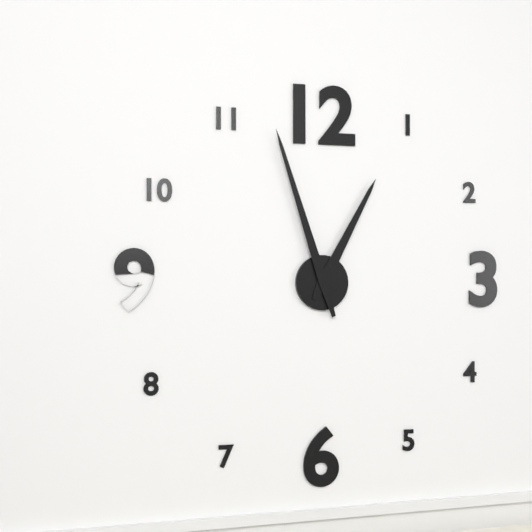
12:57
